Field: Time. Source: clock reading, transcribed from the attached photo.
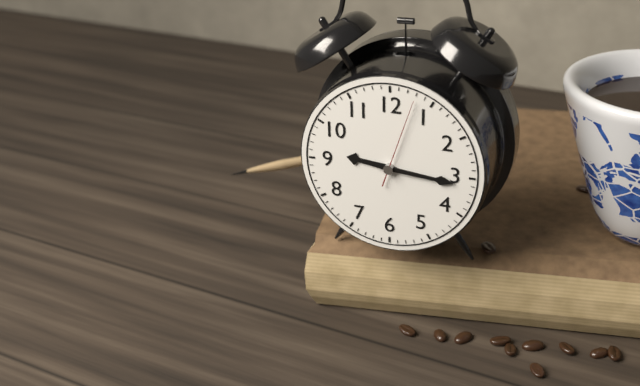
9:16:03
